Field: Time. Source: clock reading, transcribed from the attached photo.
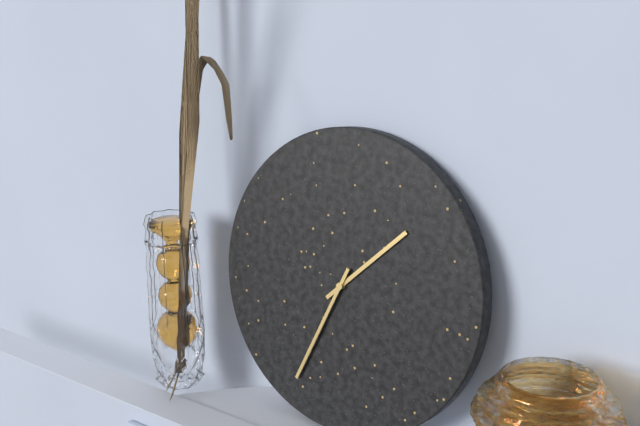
1:34
